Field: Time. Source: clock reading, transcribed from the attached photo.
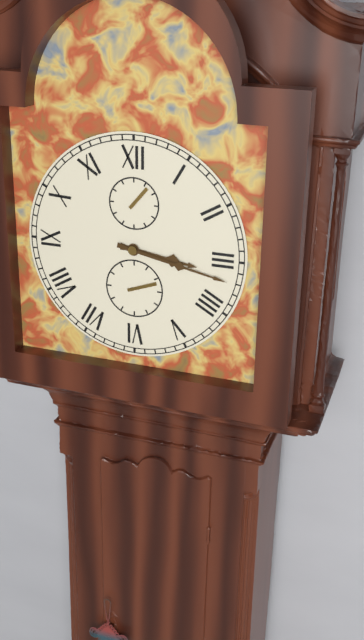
3:17
